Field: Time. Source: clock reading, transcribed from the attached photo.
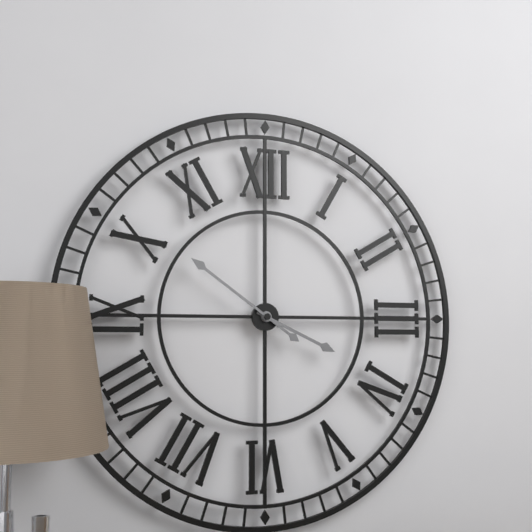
3:51
